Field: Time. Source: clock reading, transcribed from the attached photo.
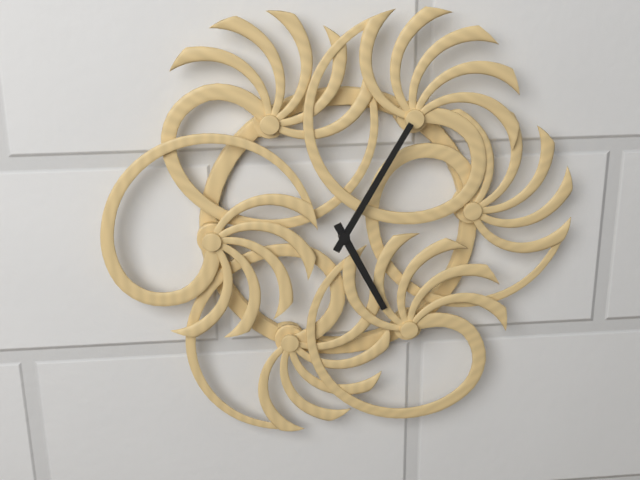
5:05
